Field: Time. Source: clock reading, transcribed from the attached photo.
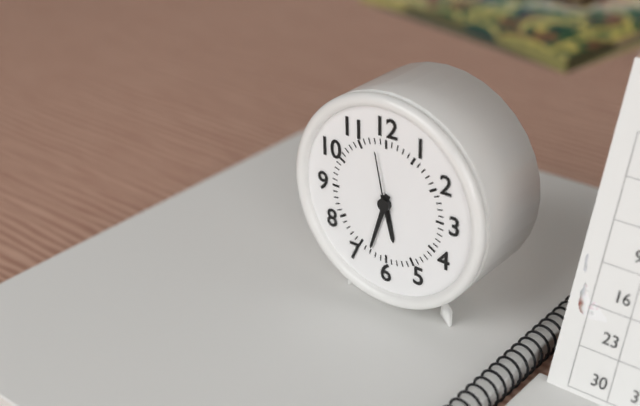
5:33:58
